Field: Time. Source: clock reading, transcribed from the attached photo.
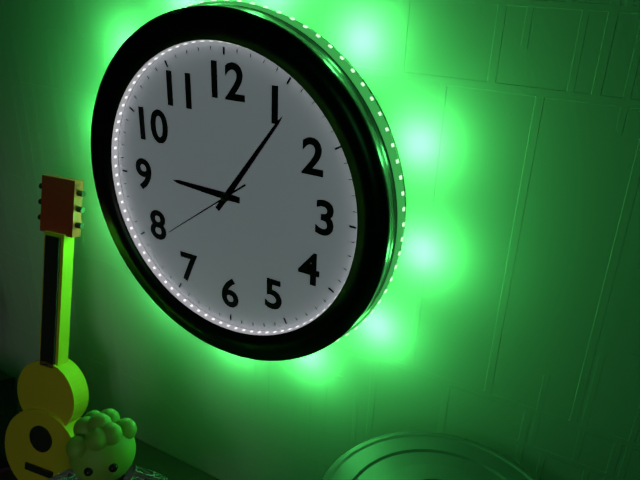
9:06:39
